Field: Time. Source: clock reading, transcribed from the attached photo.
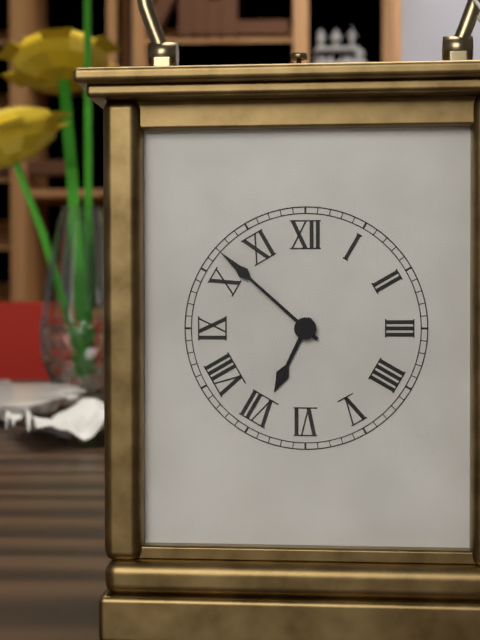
6:52
